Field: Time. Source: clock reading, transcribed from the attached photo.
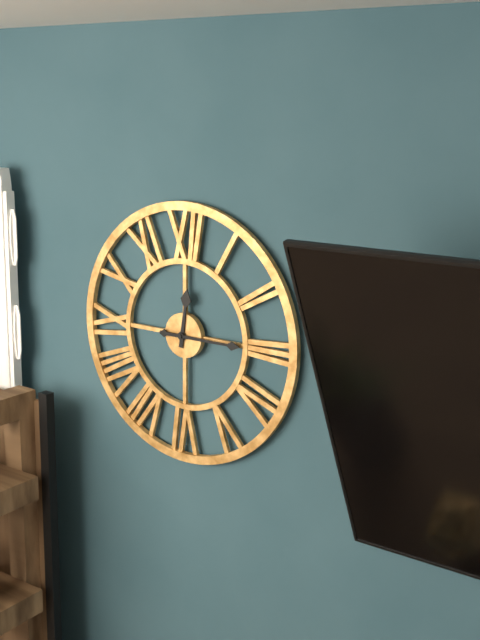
12:15
